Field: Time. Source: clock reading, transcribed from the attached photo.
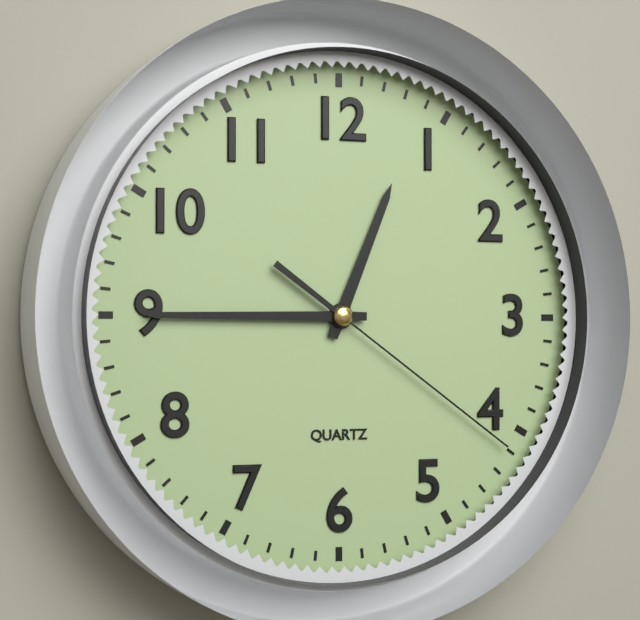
12:45:21
